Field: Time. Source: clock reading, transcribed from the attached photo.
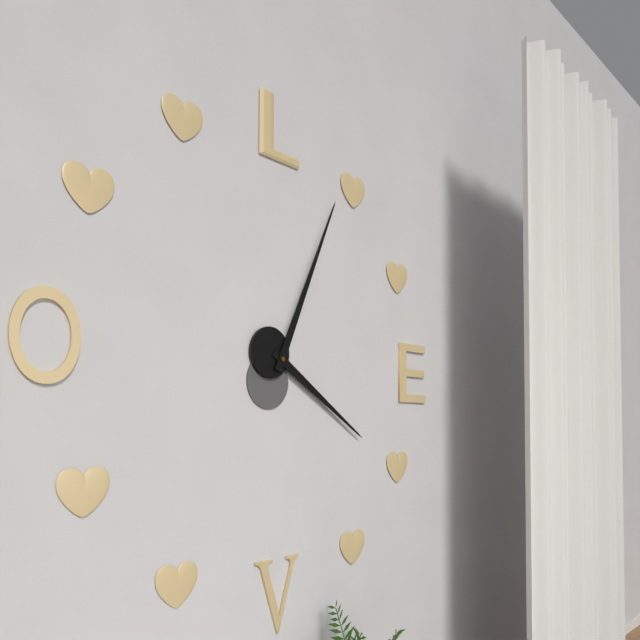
4:04
